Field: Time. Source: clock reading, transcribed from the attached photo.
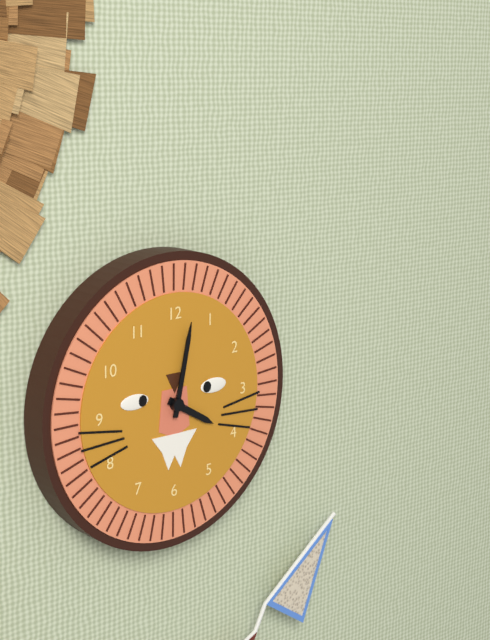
4:02
